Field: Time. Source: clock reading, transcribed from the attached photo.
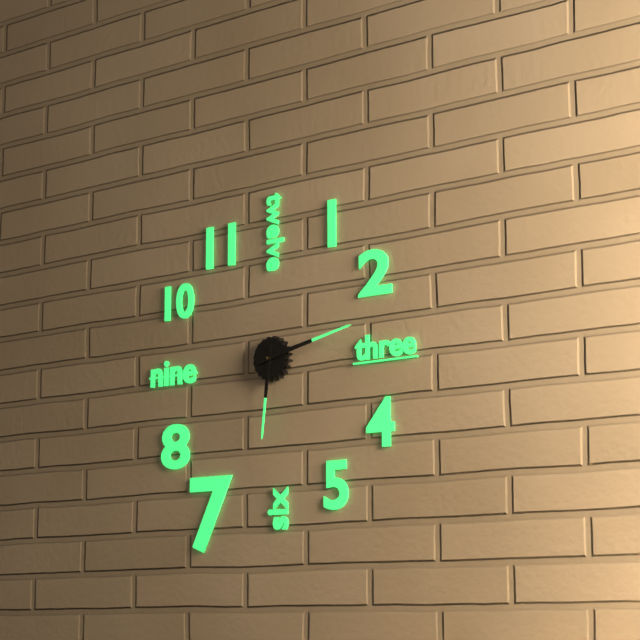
6:13
